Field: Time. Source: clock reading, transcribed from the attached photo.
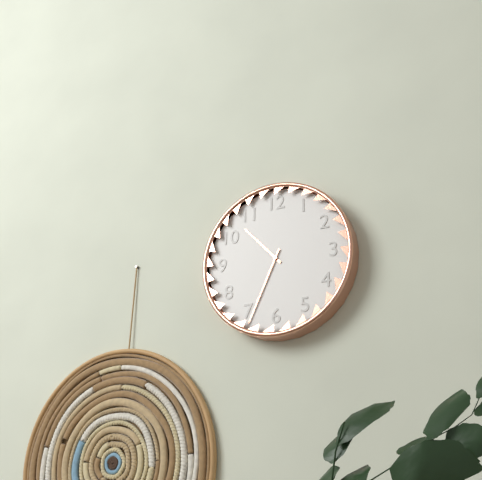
10:34
